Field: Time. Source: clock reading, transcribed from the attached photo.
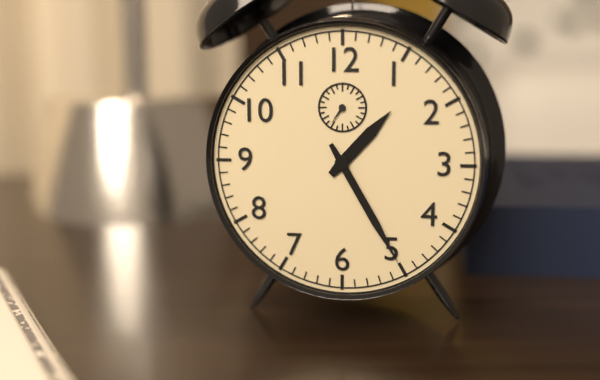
1:25
